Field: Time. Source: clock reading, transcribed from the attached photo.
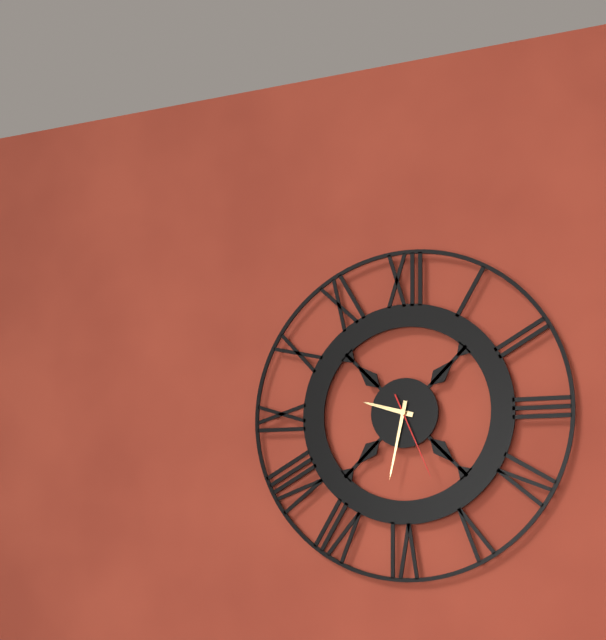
9:32:26
